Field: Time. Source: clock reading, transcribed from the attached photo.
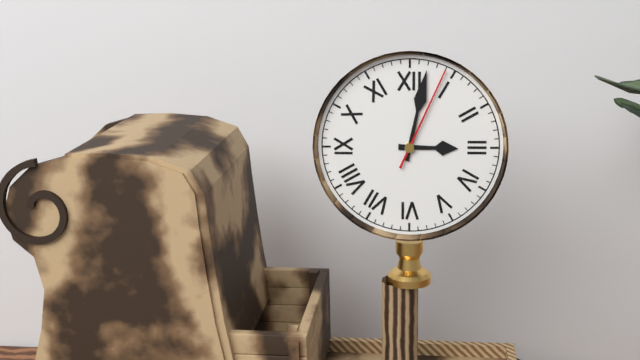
3:02:04
